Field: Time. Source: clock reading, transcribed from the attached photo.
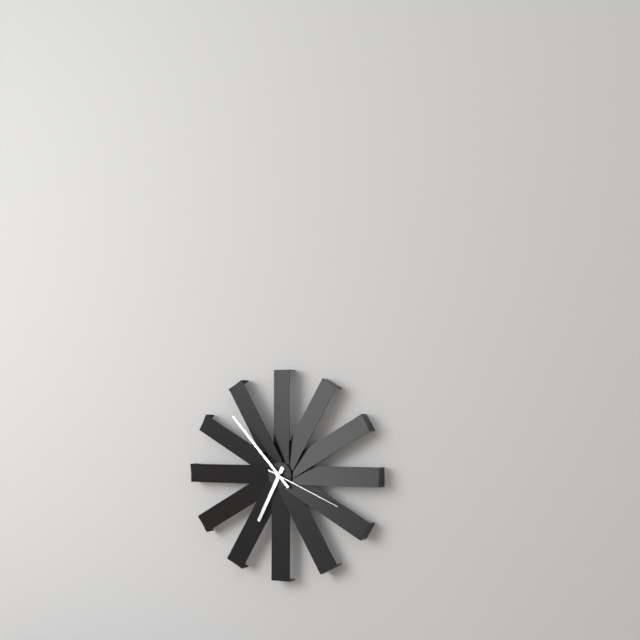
6:53:19
